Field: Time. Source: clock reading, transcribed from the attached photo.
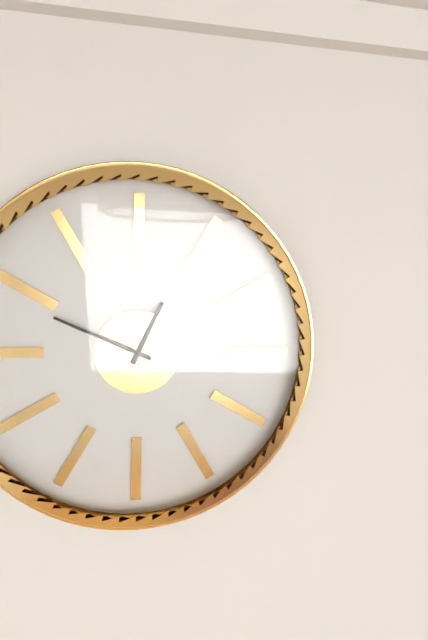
12:49
